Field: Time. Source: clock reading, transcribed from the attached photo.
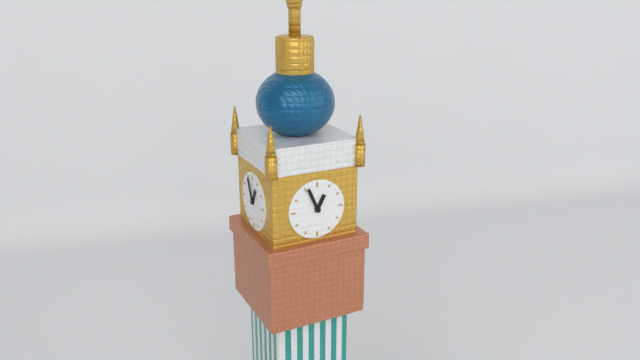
12:56
